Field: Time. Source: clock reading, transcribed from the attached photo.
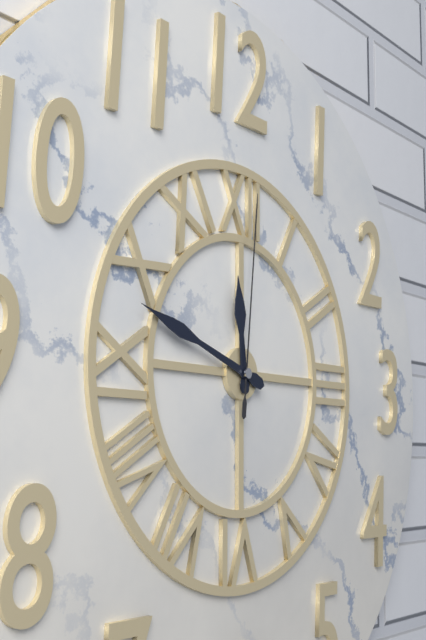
11:48:01
